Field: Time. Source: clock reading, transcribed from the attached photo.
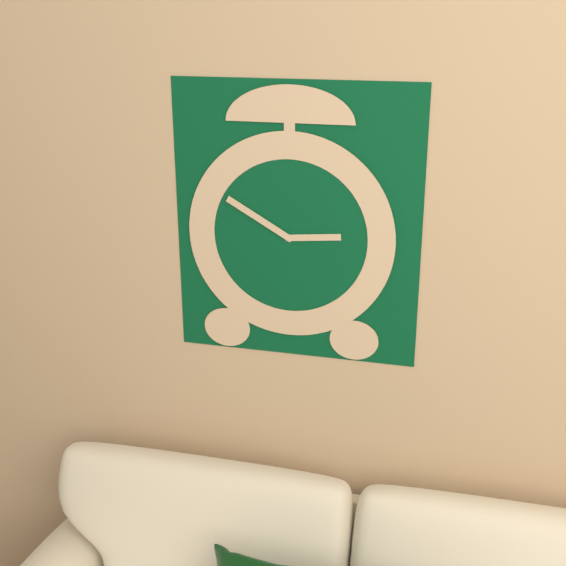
2:50
